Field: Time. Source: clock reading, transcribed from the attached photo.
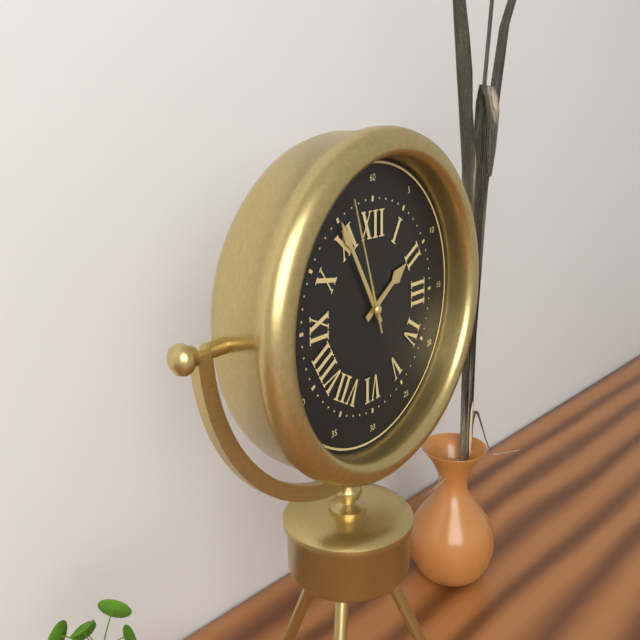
1:55:57
